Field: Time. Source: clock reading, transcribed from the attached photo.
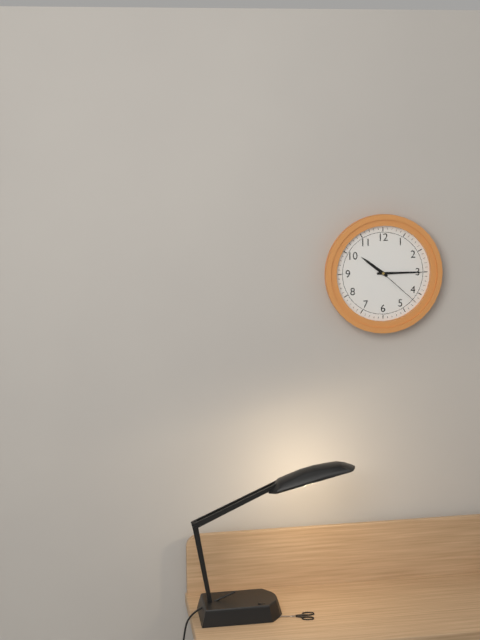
10:15:22
